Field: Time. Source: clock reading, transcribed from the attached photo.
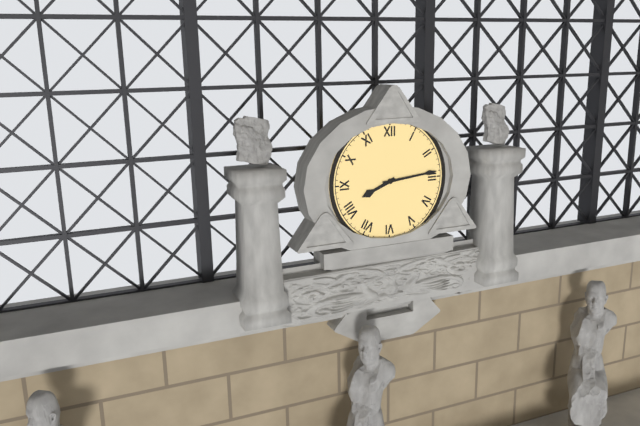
8:14
